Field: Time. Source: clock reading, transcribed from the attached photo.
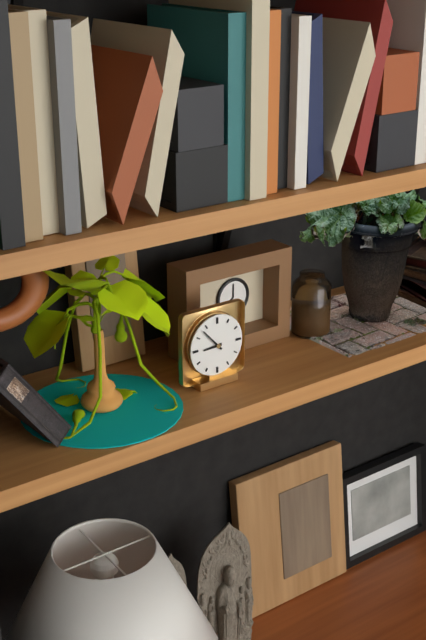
8:53
